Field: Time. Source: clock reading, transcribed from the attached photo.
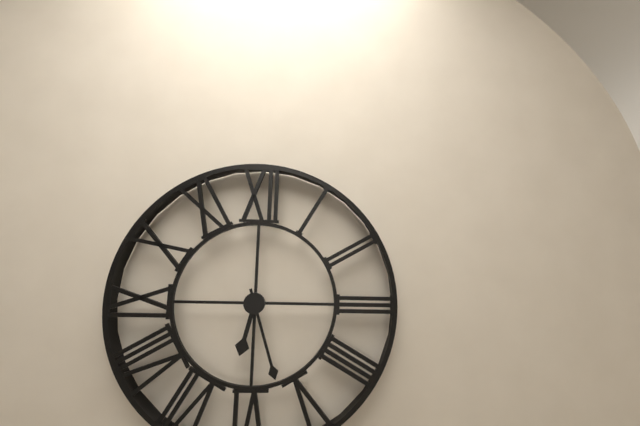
6:27
